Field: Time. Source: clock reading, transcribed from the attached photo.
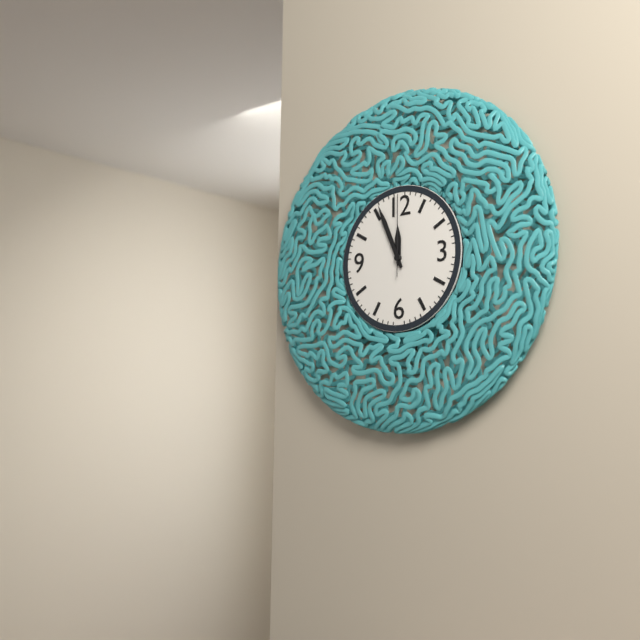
11:56:00
